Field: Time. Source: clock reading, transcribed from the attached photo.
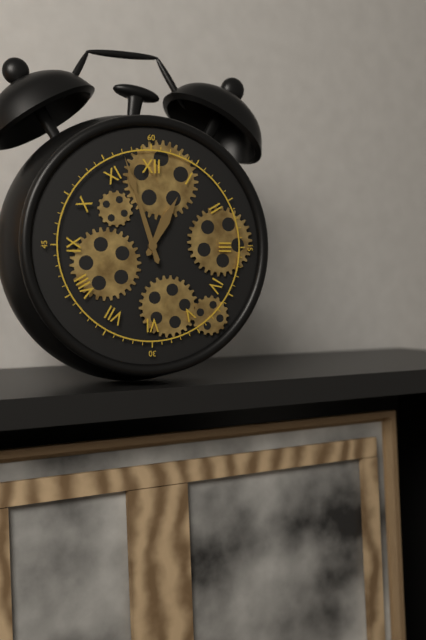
12:57
